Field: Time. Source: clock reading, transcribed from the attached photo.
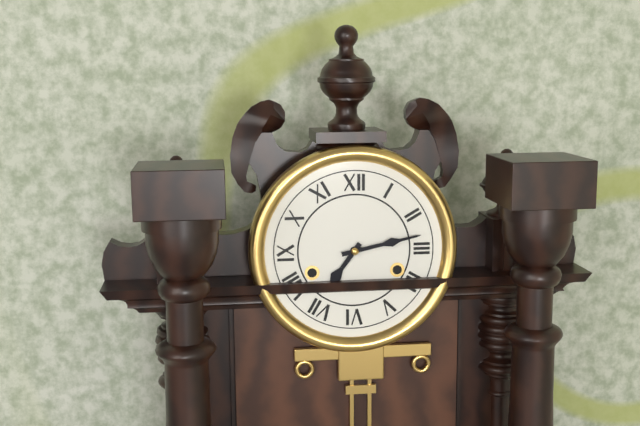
7:13
